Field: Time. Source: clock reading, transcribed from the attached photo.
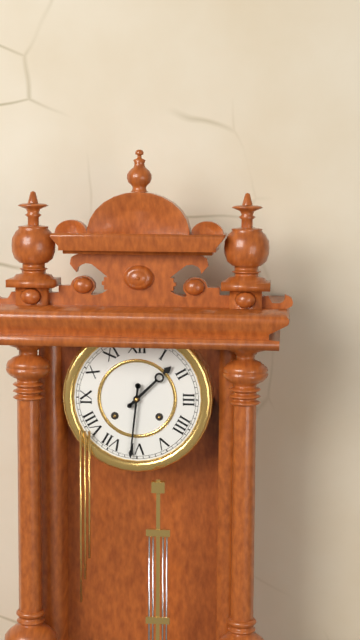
1:31
